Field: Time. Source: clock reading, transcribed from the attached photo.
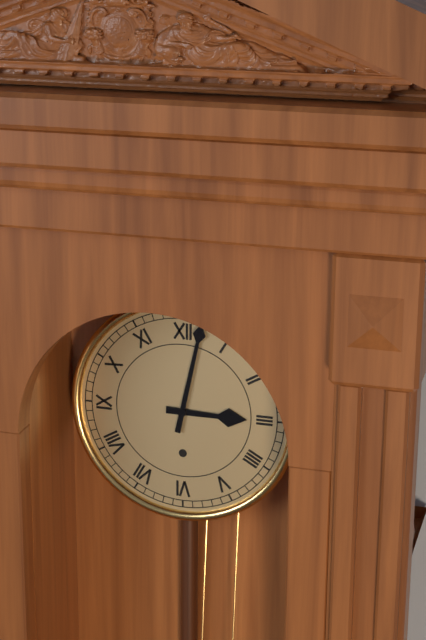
3:02
